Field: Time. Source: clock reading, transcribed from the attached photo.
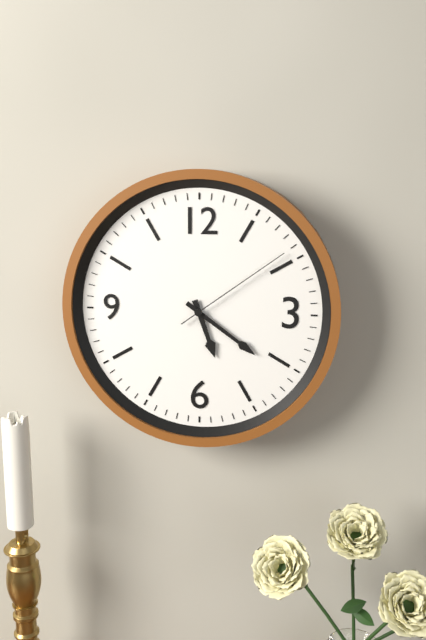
5:21:09
